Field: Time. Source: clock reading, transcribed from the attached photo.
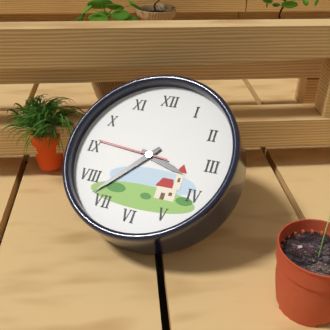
3:37:46
